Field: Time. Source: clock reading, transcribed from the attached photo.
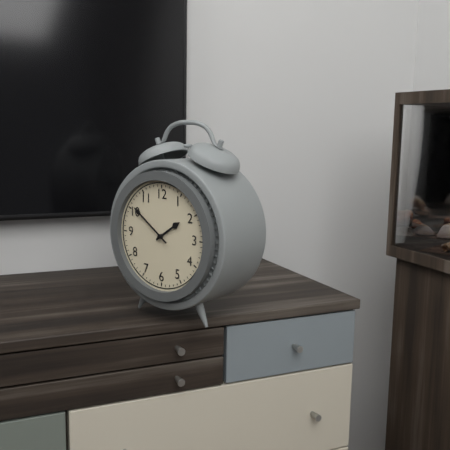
1:51
